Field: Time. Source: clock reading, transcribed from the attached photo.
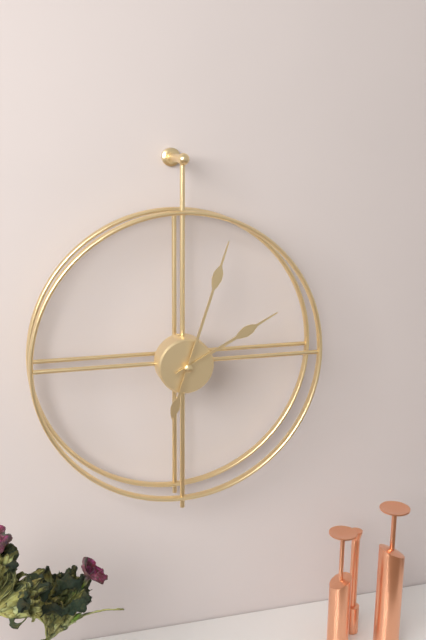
2:03
